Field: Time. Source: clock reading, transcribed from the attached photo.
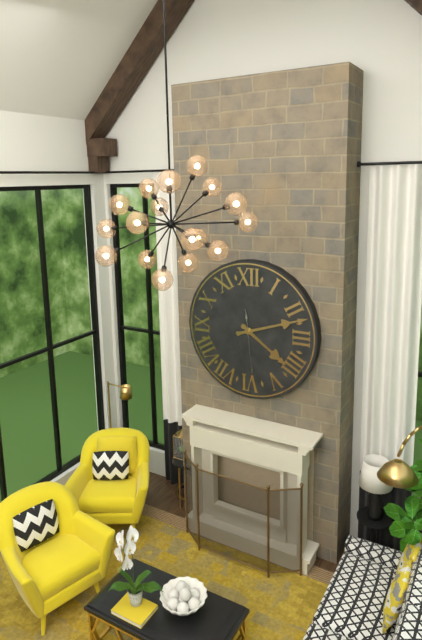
4:12:29
